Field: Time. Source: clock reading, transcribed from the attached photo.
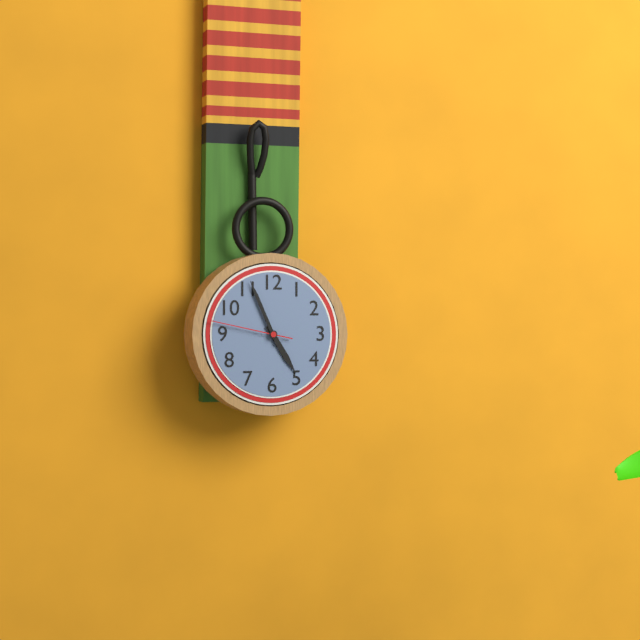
4:56:47
